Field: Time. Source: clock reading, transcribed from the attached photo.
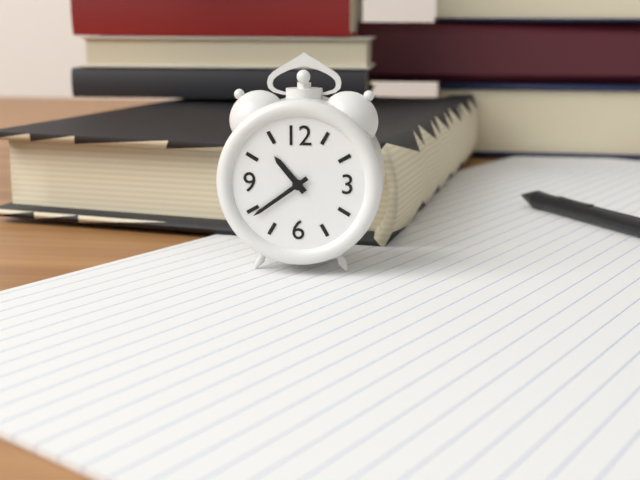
10:39
